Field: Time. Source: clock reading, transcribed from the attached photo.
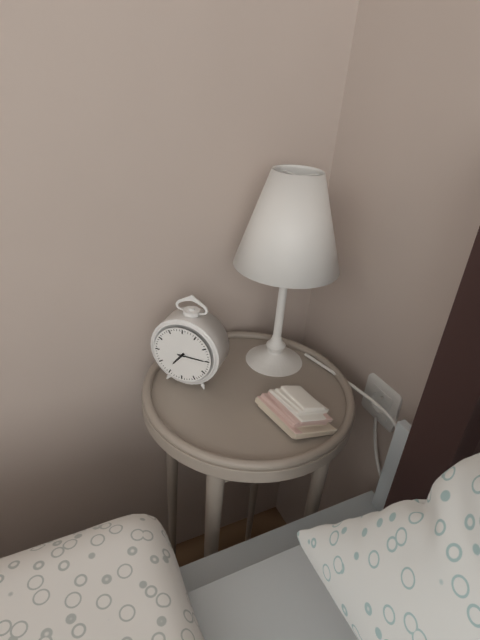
7:15
